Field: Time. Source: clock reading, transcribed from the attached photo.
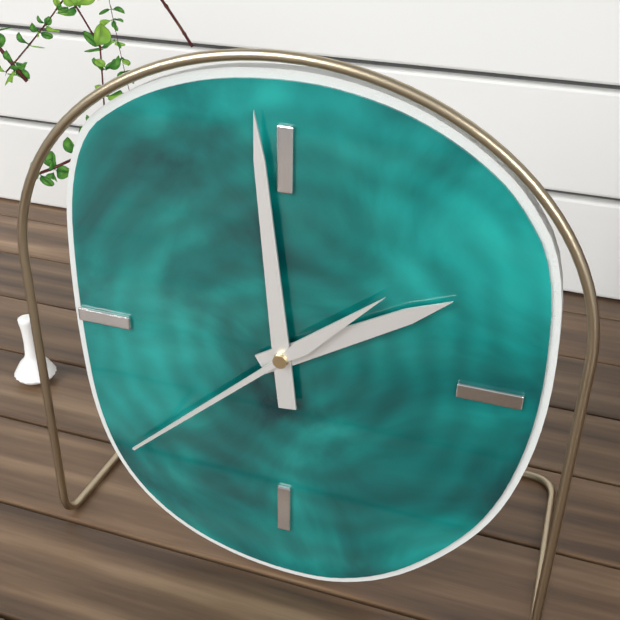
1:59:38
